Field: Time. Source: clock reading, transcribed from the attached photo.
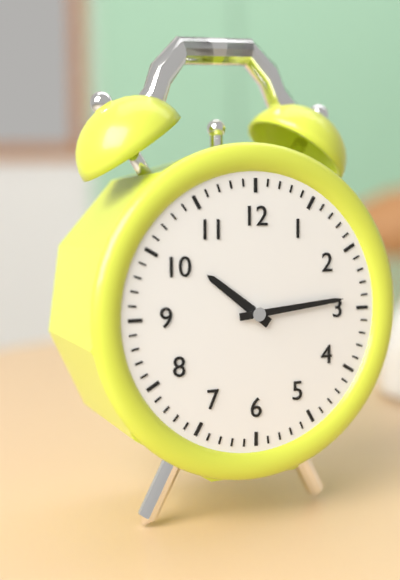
10:14
